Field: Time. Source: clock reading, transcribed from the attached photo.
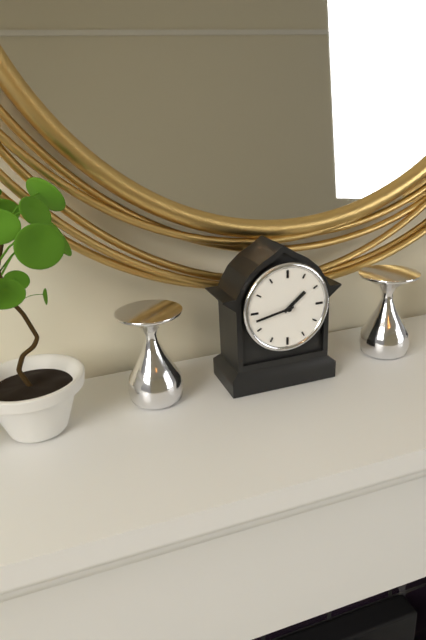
1:43
